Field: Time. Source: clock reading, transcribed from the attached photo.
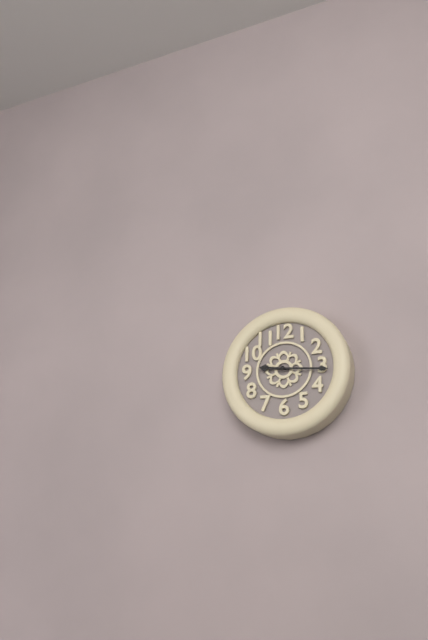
9:16
